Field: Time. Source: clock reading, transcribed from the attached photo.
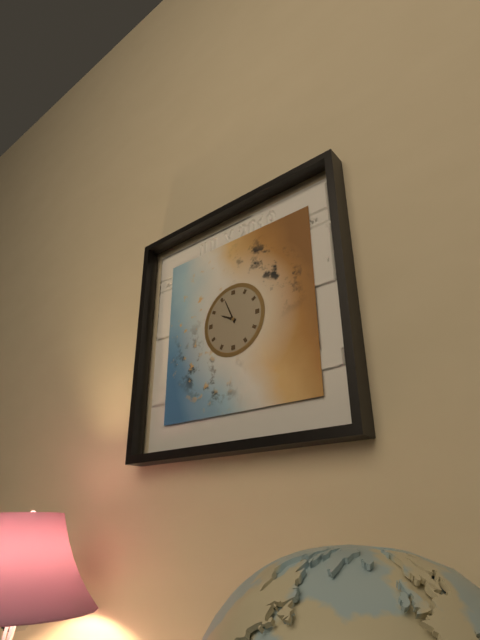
9:56
